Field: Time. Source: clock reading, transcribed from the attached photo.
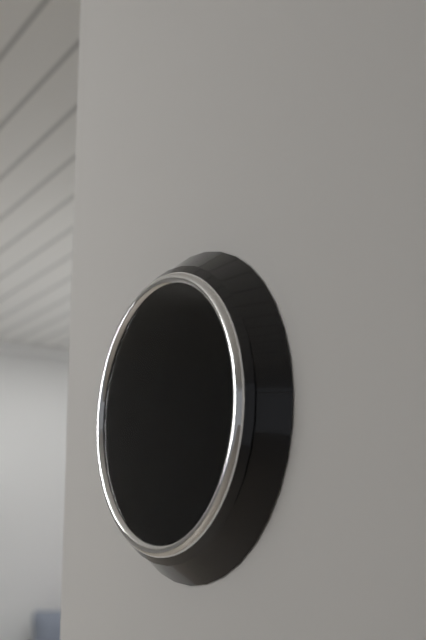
3:59
